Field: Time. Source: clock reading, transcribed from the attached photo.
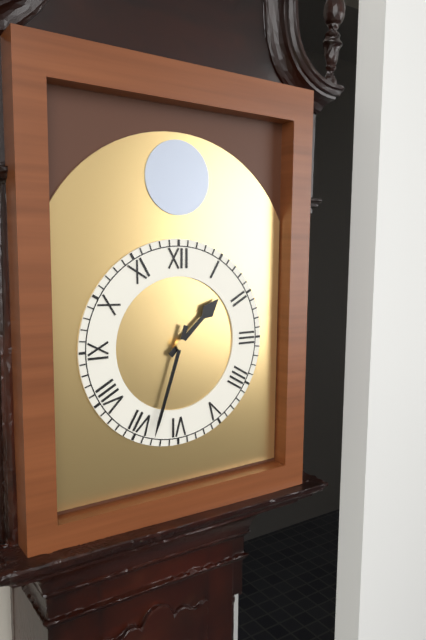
1:33
